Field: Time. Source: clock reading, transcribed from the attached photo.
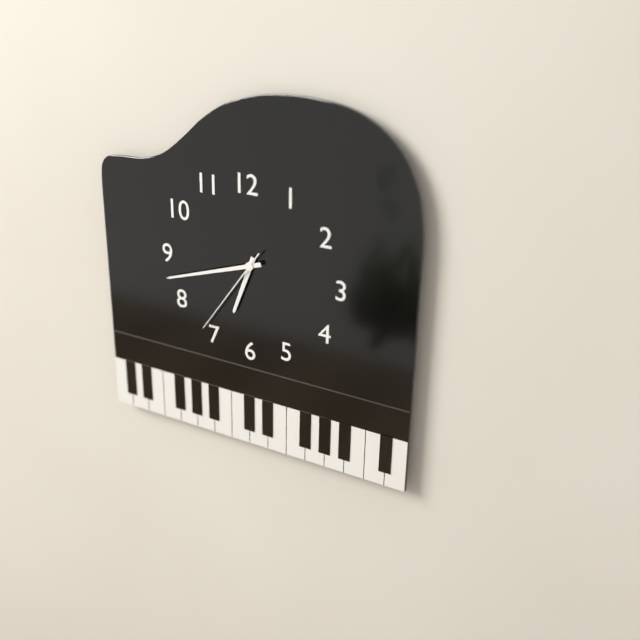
6:42:36
